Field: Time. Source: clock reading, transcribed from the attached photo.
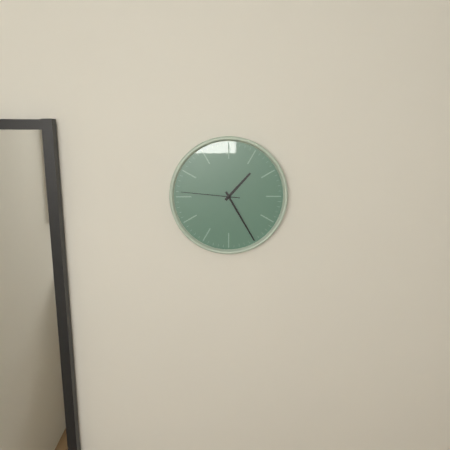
1:25:46
